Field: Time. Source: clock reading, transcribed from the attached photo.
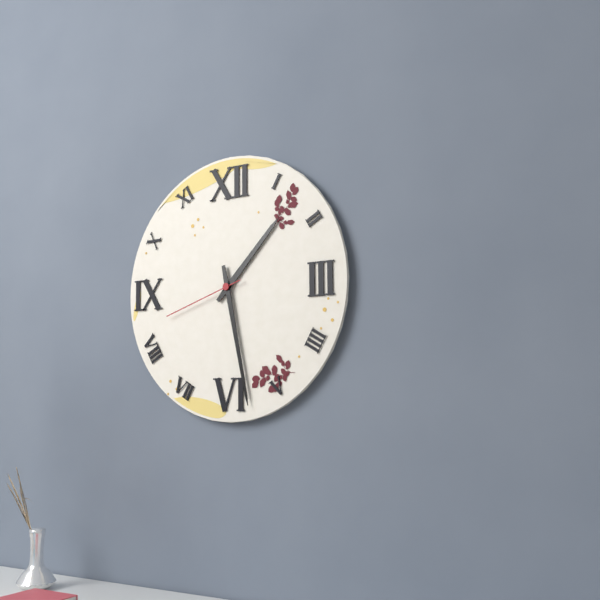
1:28:42
